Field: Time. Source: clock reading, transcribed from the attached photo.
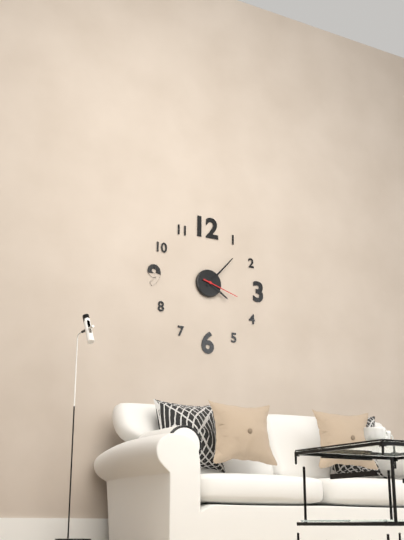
4:07
